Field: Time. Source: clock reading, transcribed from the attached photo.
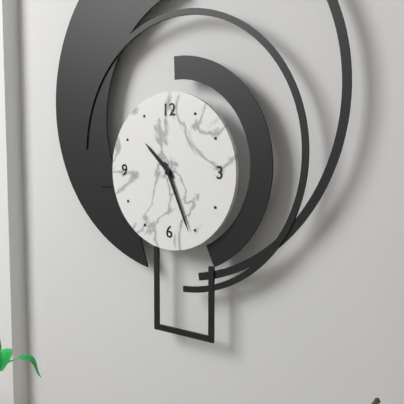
10:26
